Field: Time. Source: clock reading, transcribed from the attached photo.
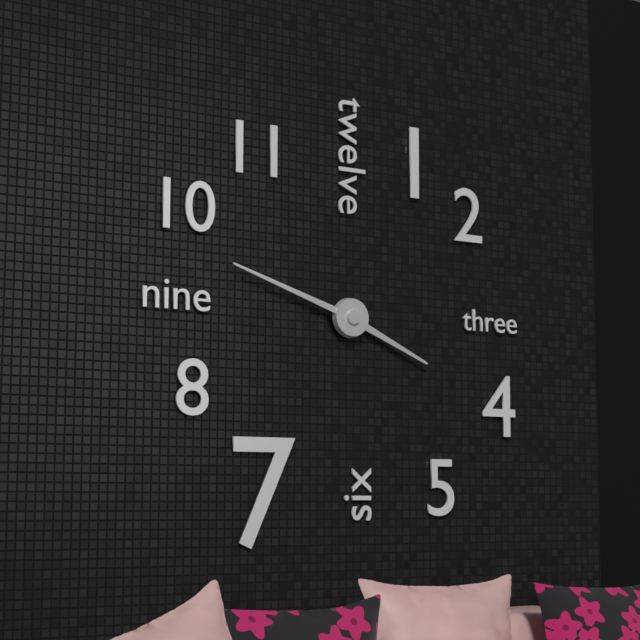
3:48
